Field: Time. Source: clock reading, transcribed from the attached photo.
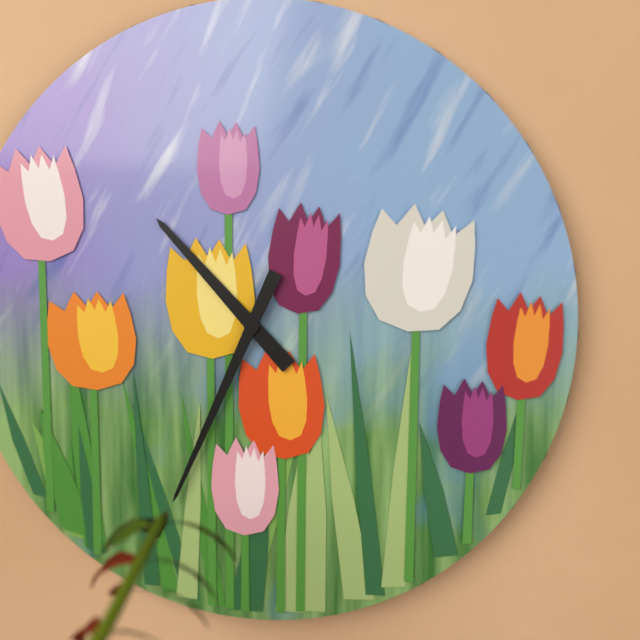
10:34
